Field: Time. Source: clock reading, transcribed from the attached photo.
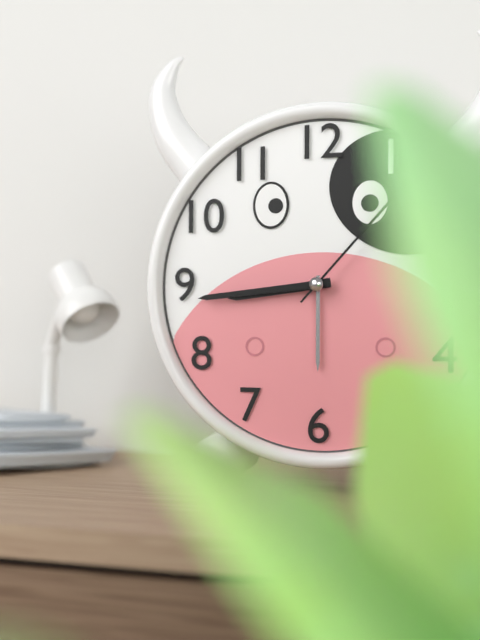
8:44:07
